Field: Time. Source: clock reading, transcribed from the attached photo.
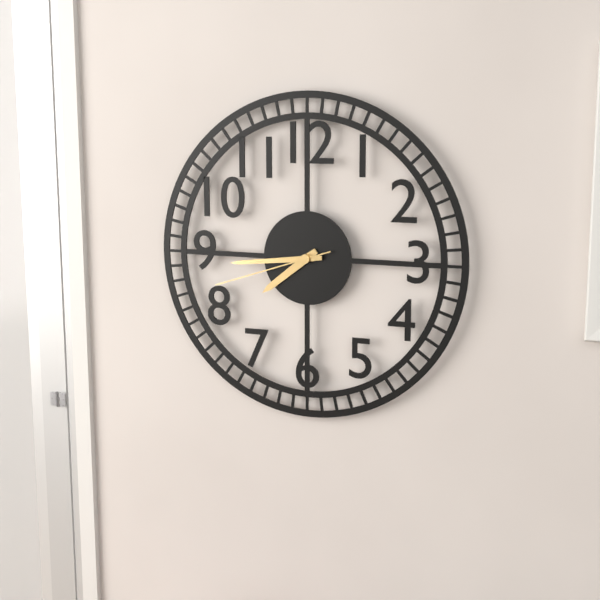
7:44:42
